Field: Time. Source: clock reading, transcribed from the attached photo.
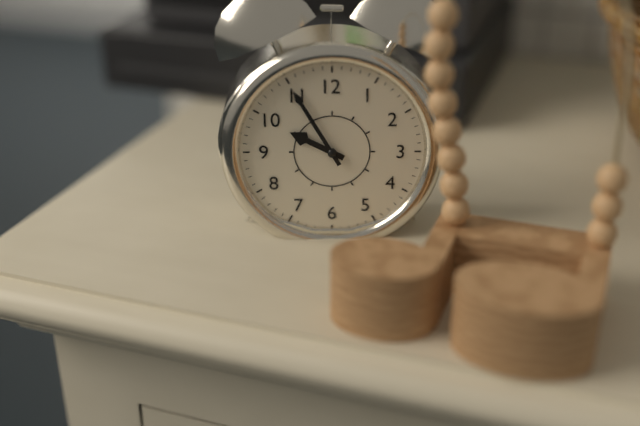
9:55
